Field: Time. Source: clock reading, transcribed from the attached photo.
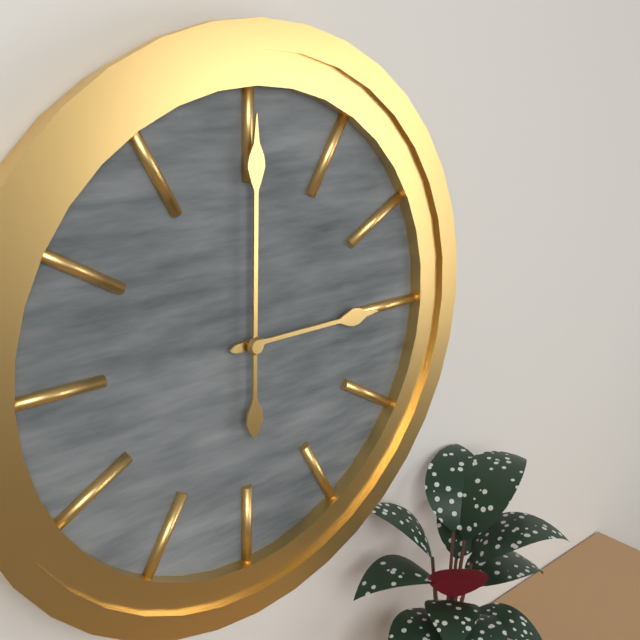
3:00
